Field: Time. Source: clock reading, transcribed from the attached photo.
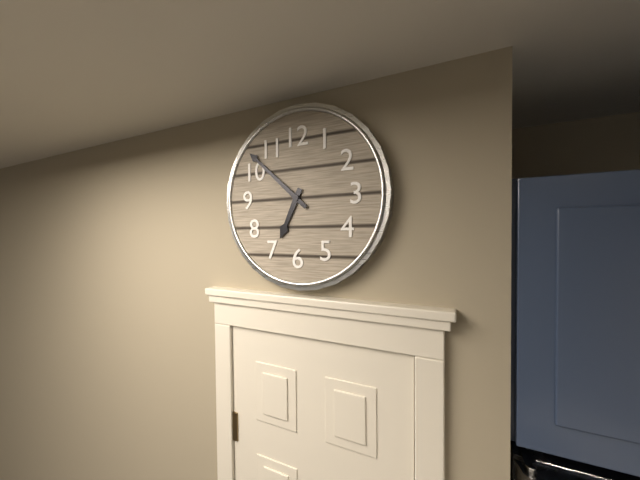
6:52
